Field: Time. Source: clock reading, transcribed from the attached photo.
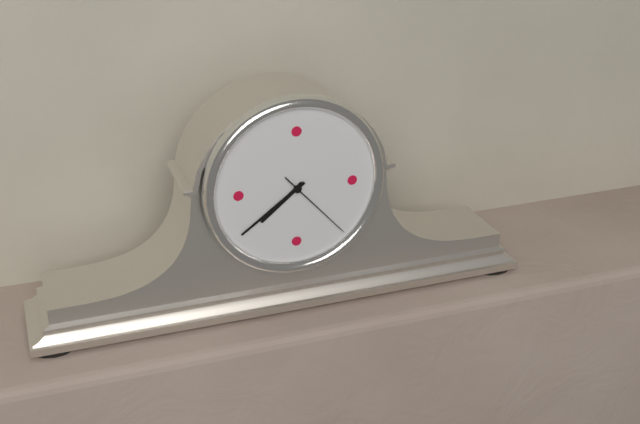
7:39:23
